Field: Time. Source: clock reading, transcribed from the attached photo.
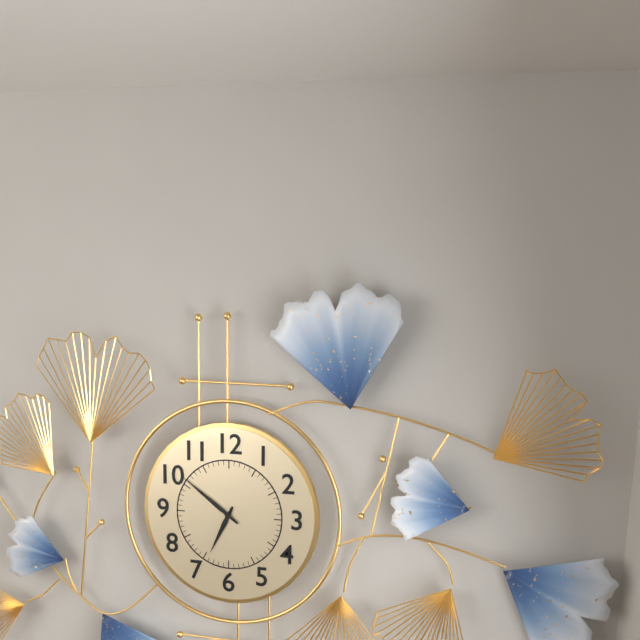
6:51
